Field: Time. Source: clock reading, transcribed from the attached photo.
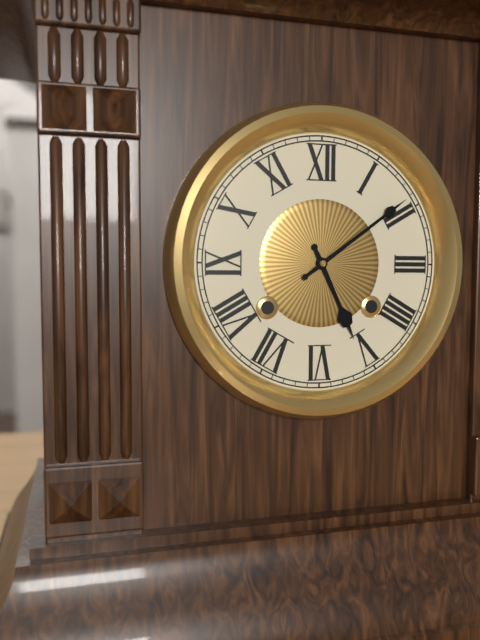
5:09
